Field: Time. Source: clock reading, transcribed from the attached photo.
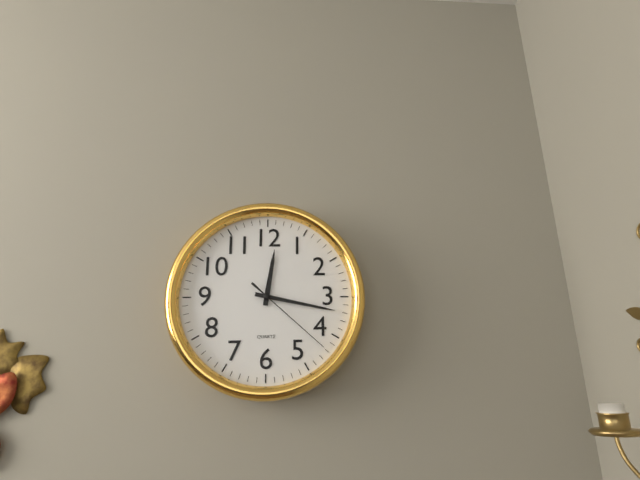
12:17:22
